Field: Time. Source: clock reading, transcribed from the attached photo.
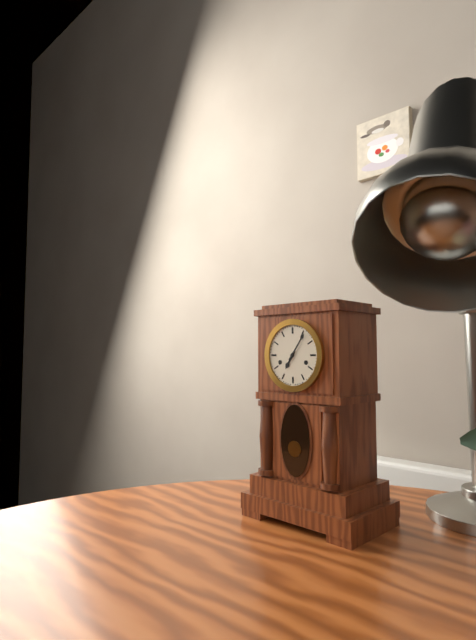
7:06
